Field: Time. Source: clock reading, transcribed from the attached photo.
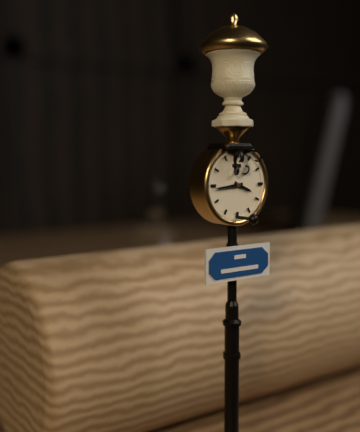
3:44
